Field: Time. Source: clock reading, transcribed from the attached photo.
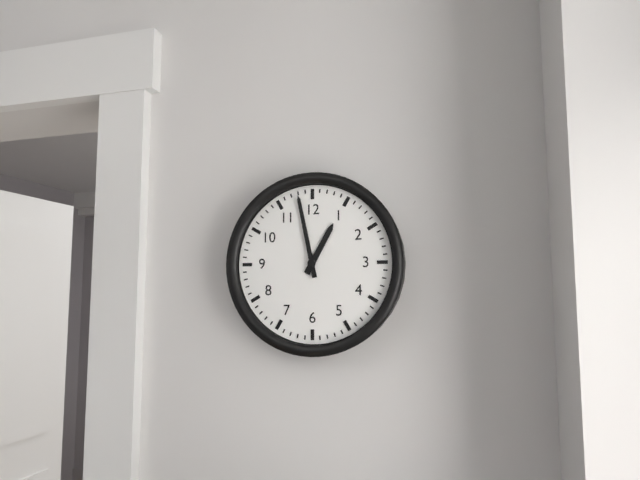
12:58
